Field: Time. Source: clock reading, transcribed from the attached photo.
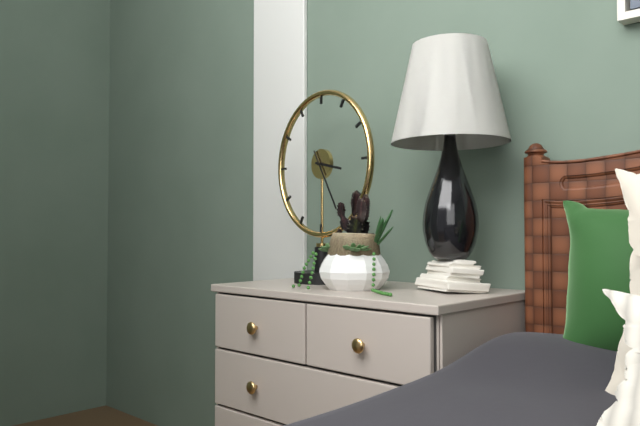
3:25
